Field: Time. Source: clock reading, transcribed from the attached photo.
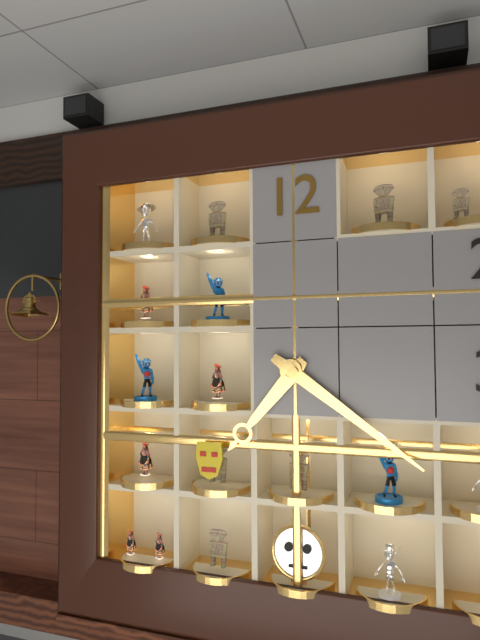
7:21
